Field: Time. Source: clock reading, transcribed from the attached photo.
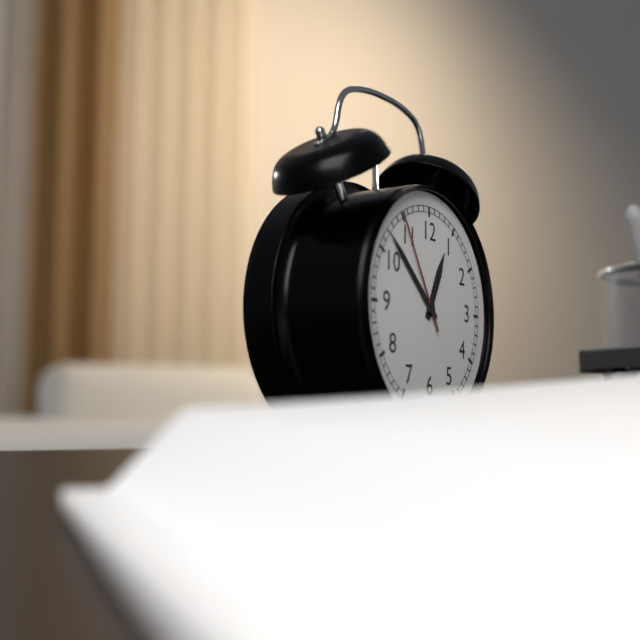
12:52:55
